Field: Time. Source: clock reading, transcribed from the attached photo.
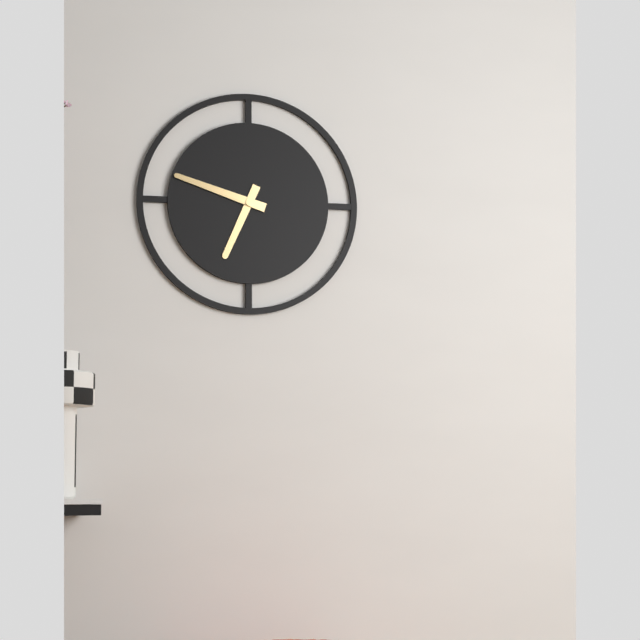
6:48
